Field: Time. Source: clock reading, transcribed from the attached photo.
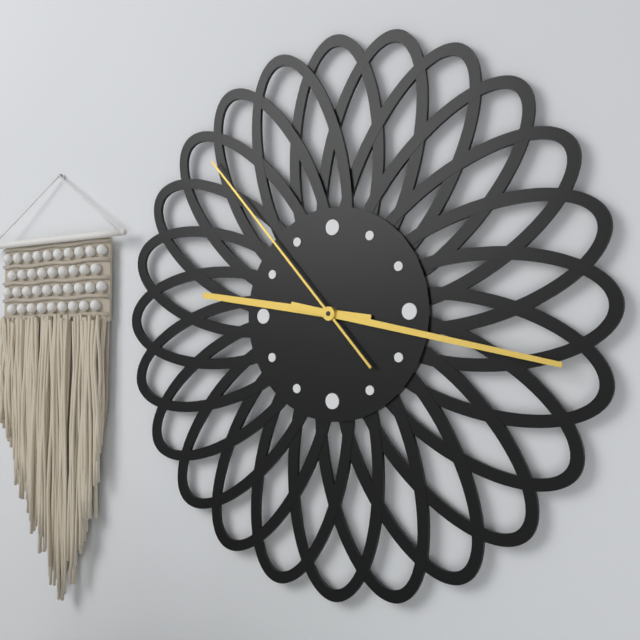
9:17:53
